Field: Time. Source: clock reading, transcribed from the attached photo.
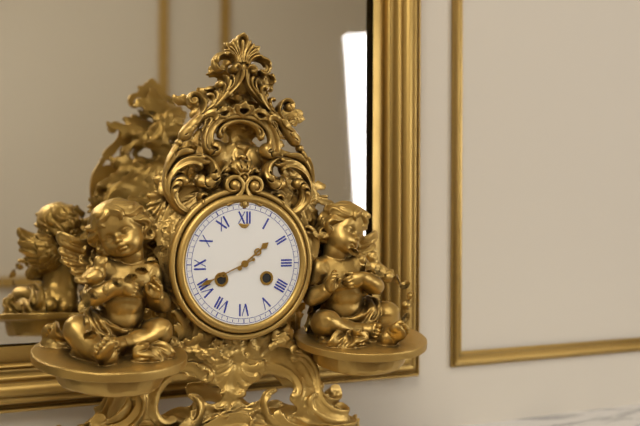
1:41
